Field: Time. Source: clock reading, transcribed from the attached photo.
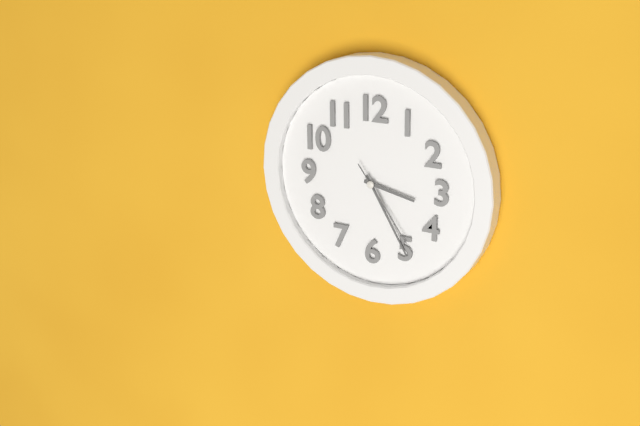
3:25:24
